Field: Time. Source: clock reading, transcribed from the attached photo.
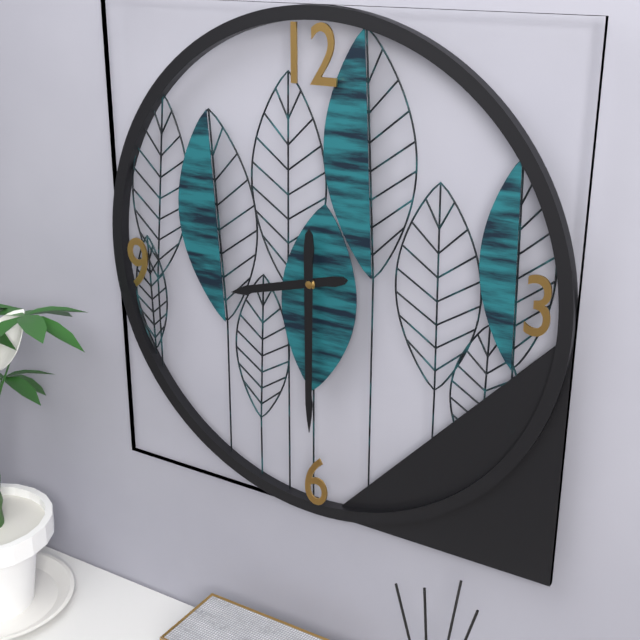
8:30
